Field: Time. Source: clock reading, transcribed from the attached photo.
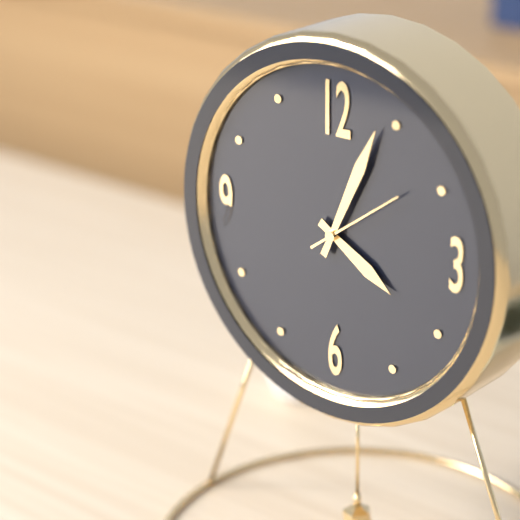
4:04:09
